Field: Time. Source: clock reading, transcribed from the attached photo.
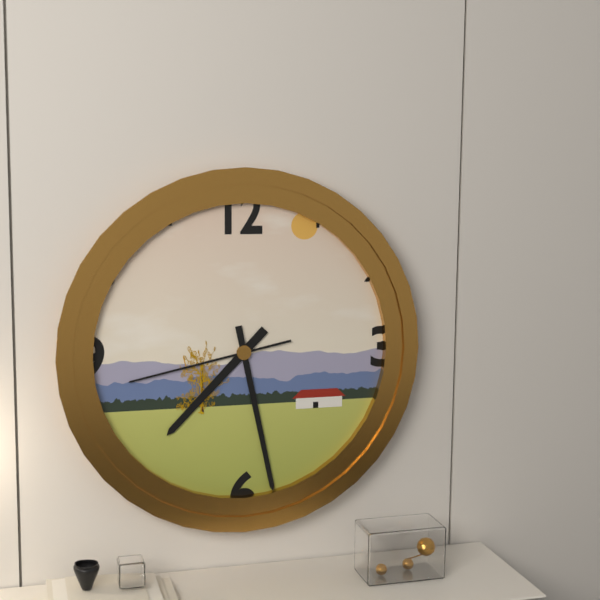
7:28:43
